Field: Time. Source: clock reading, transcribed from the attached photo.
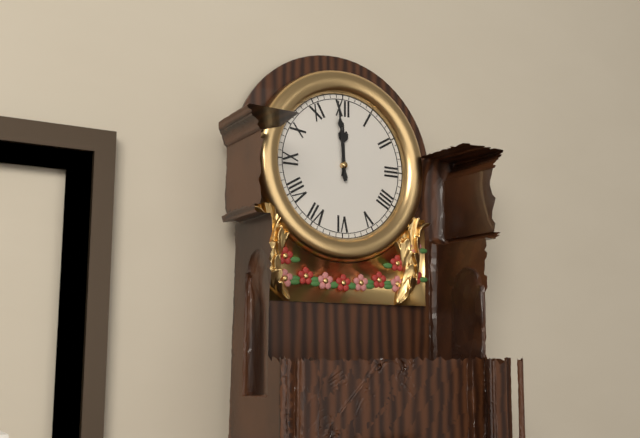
11:59
